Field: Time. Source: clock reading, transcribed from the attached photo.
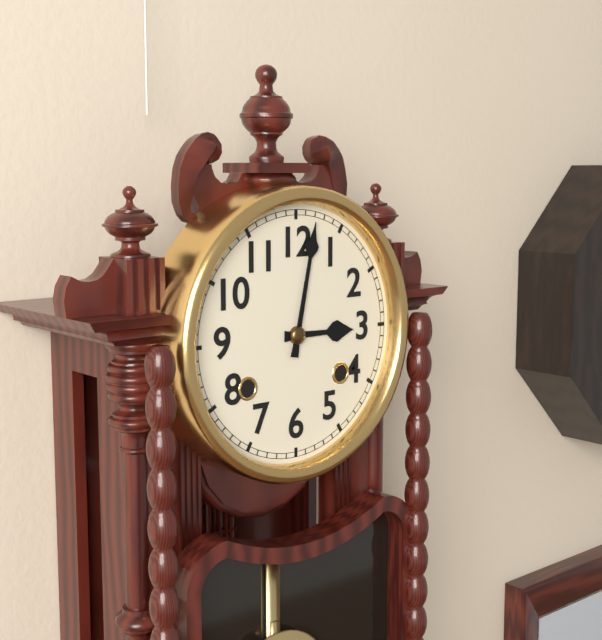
3:02
